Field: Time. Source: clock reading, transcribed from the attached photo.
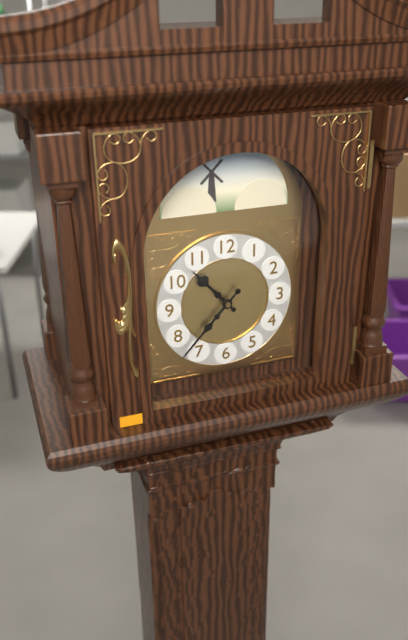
10:37
